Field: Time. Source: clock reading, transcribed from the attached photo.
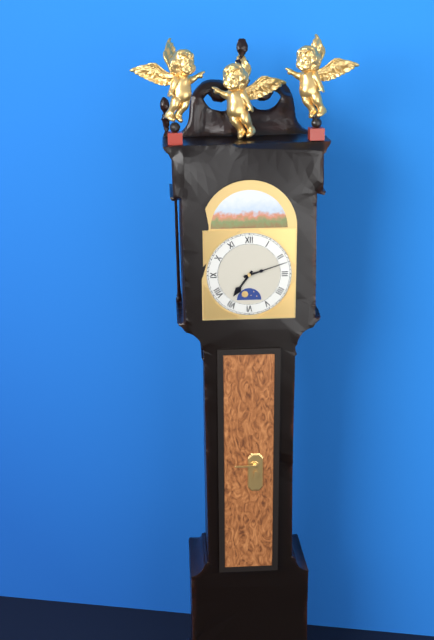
7:12
